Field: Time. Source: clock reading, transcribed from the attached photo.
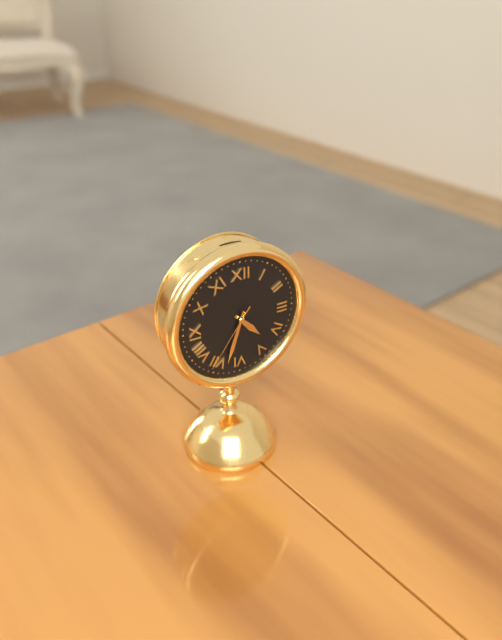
4:33:36
